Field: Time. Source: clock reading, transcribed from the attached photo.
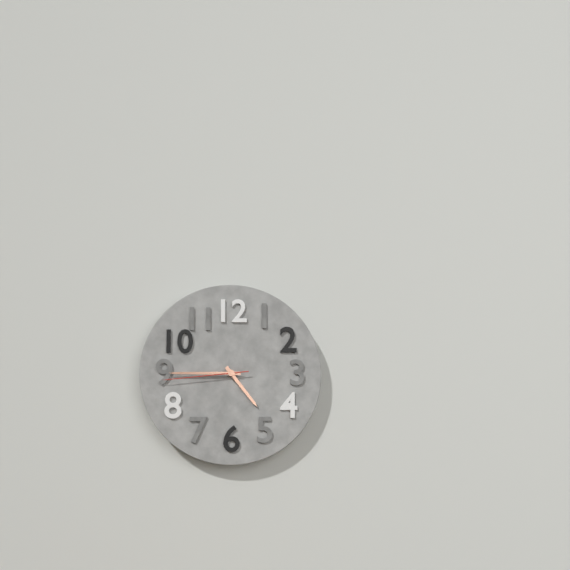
4:45:44
